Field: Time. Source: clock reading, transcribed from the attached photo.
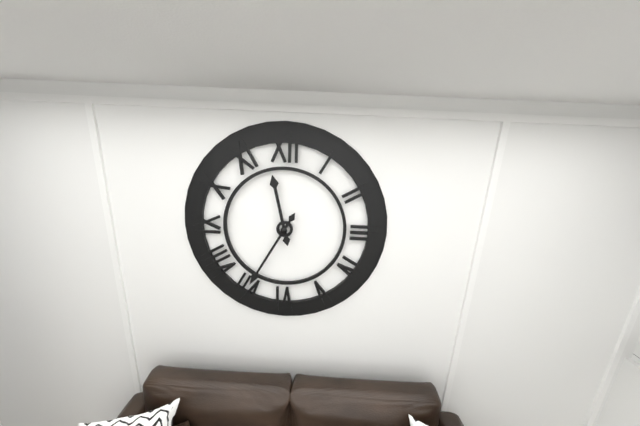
11:35
